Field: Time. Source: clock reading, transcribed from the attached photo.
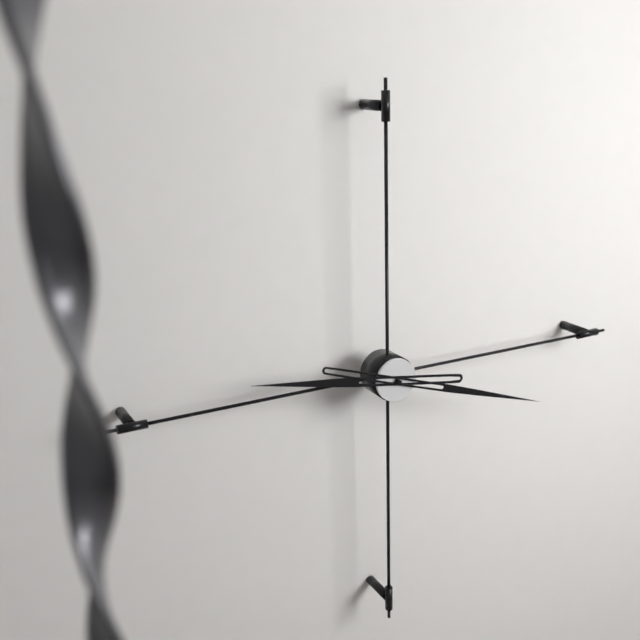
9:18
